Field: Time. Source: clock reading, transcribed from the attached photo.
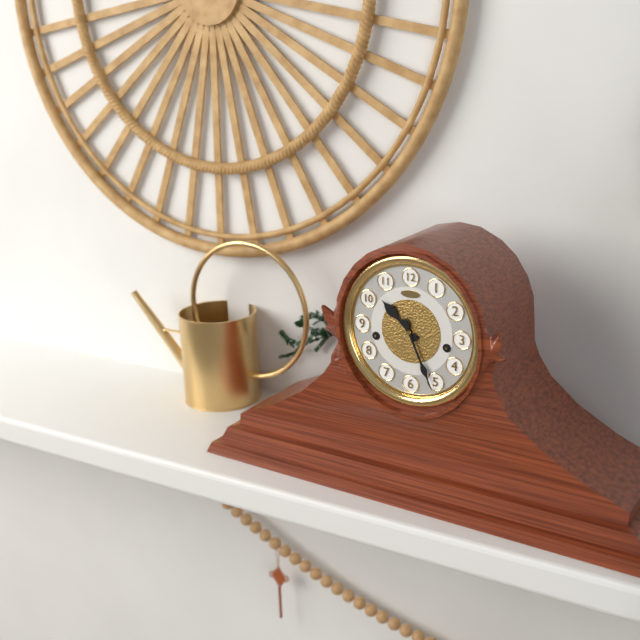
10:26
